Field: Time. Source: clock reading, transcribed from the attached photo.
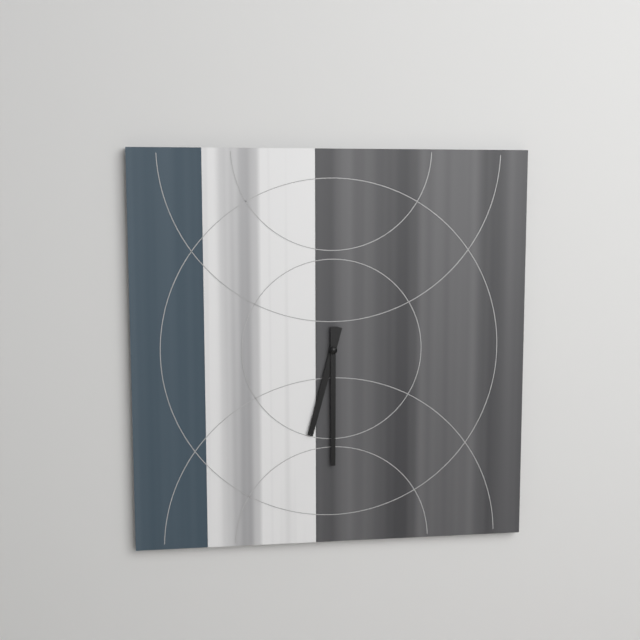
6:30
